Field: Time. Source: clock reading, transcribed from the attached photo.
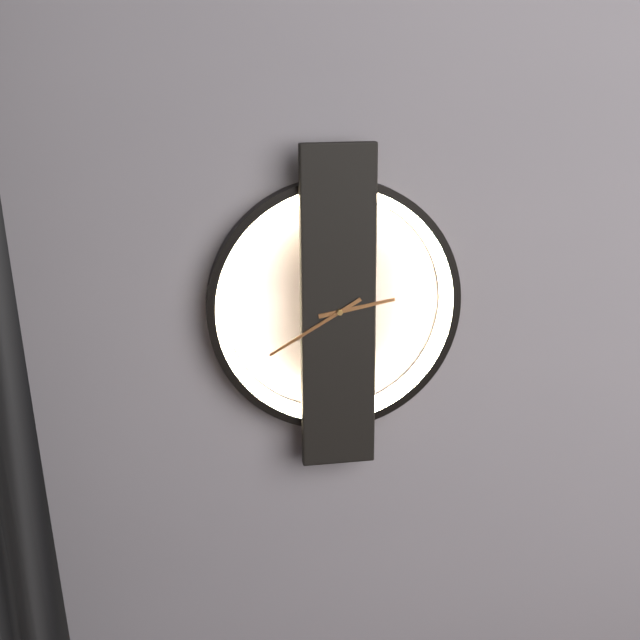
2:40
